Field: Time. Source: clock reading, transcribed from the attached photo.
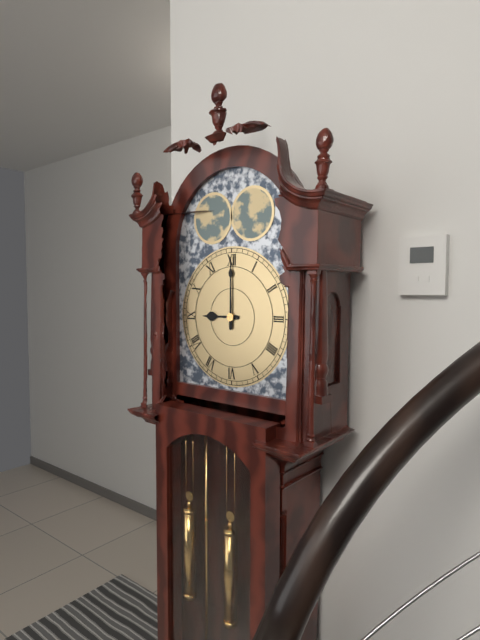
9:00
